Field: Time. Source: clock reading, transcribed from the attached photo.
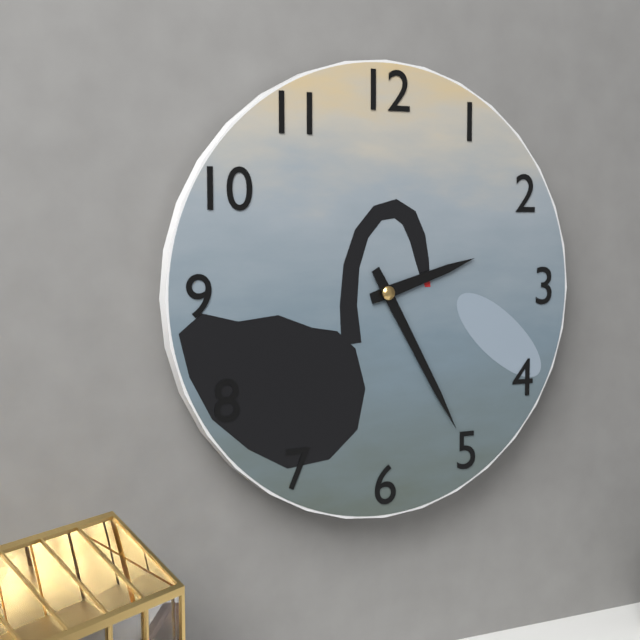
2:25
